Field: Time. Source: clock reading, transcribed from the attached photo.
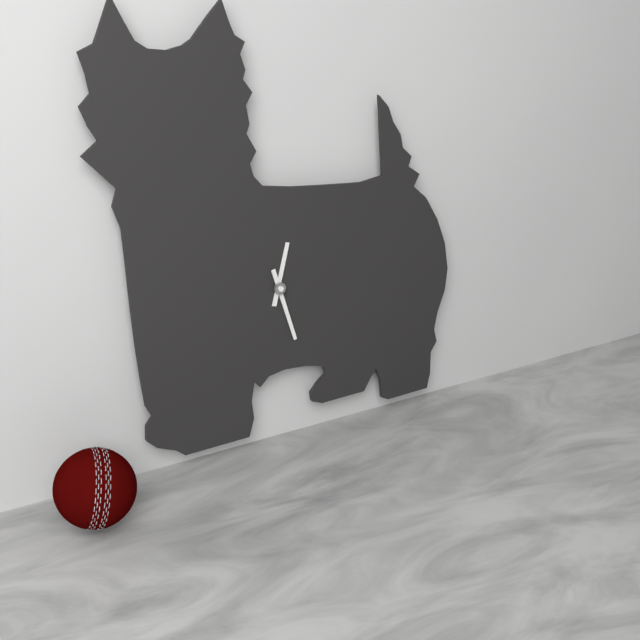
12:27
